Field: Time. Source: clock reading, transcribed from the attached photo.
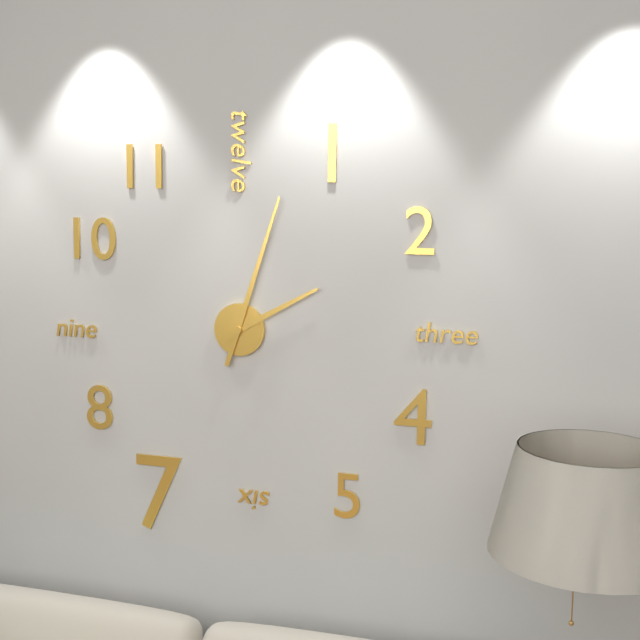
2:03
